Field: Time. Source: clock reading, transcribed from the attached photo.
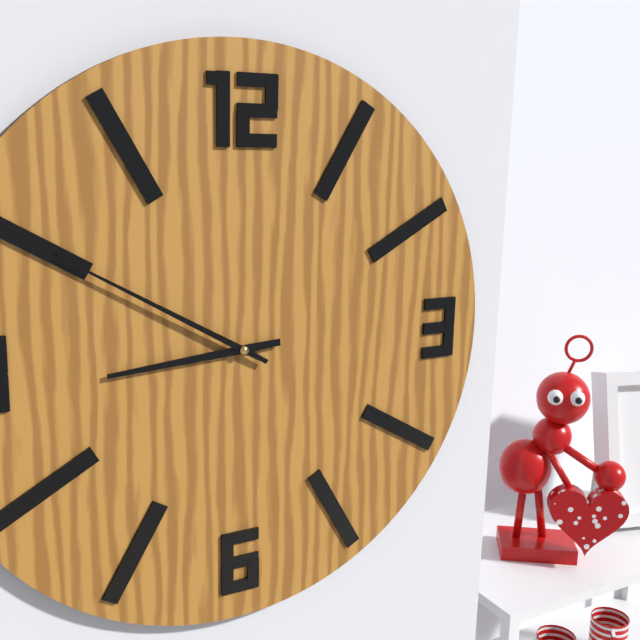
8:50
